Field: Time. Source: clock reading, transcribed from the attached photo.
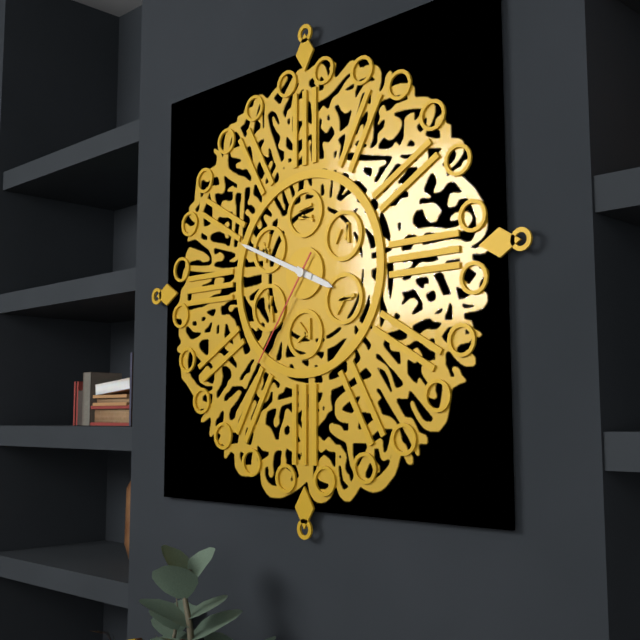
3:49:36
